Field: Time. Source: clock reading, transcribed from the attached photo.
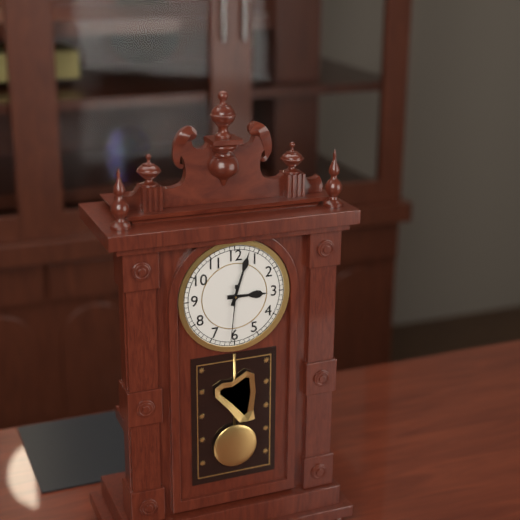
3:03:31
